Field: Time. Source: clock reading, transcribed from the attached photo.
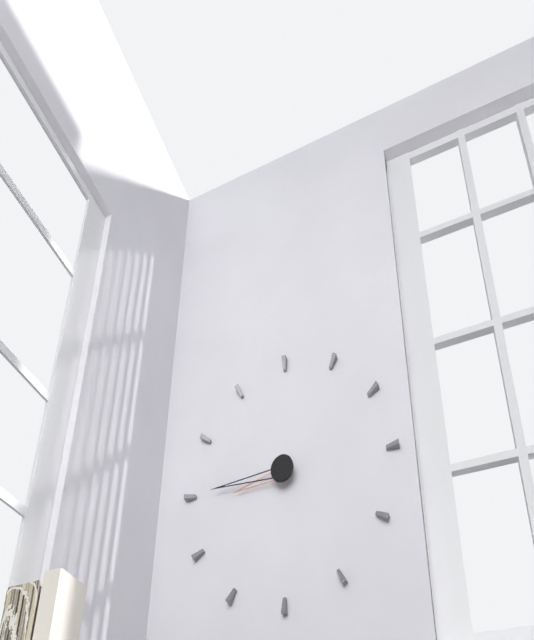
8:45
